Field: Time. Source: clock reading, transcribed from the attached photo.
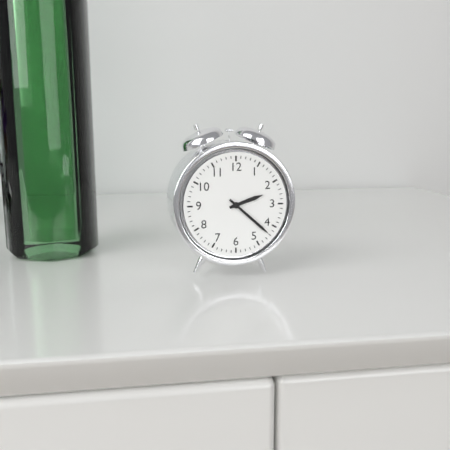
2:22
